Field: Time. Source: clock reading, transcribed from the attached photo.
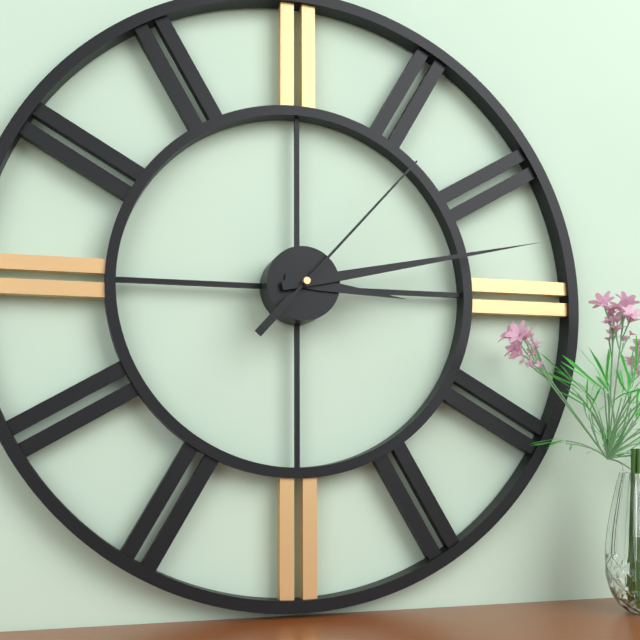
3:13:07
